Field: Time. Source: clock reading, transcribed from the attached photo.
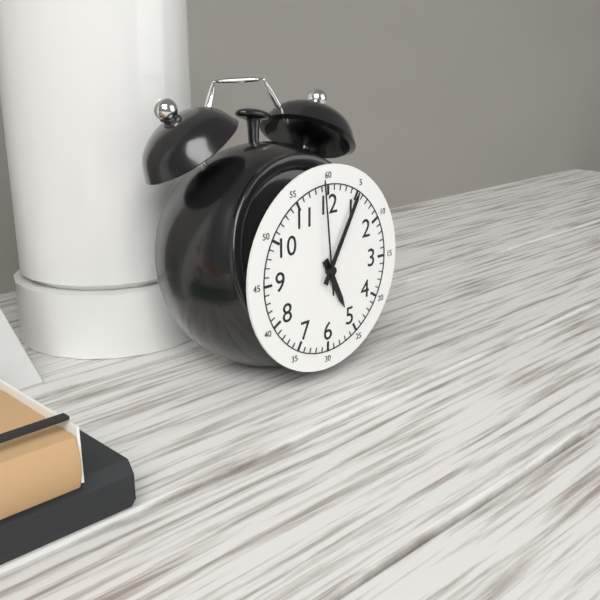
5:05:59
